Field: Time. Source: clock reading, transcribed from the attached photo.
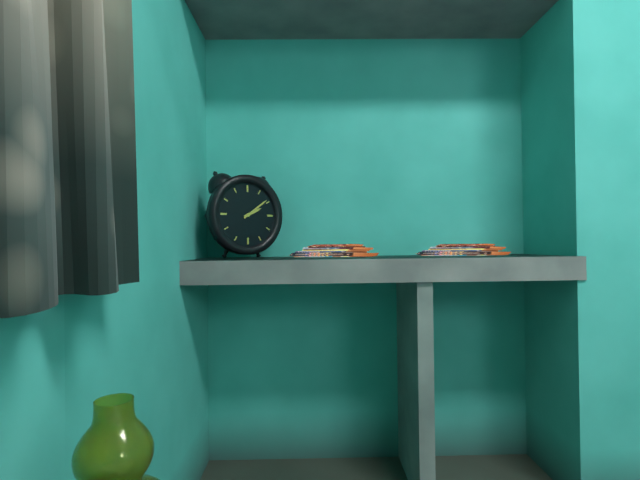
2:09
